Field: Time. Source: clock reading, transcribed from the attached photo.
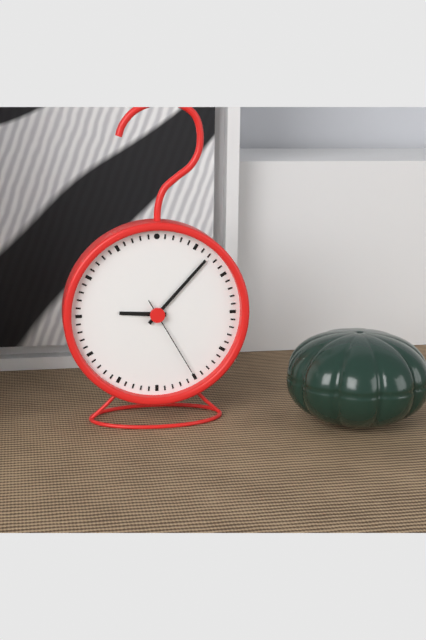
9:07:25
